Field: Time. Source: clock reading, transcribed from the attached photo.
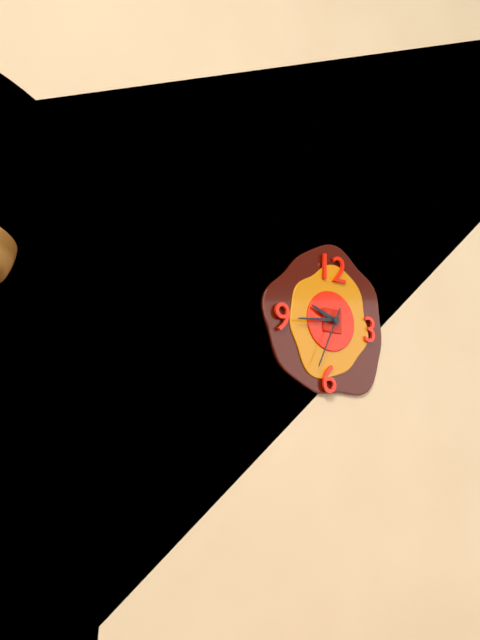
9:44:34
